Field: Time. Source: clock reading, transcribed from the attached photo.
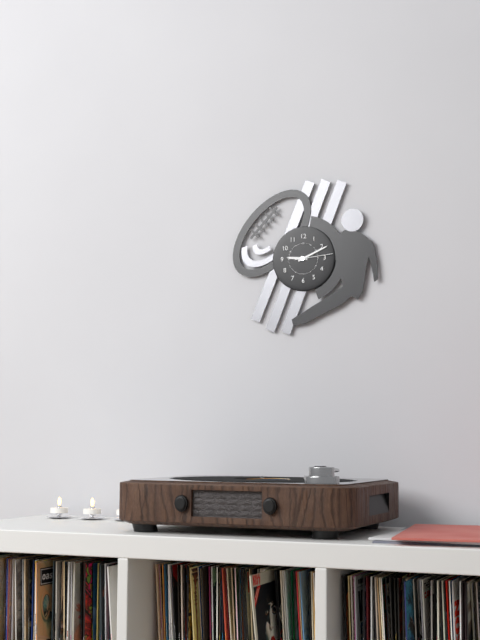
9:11
